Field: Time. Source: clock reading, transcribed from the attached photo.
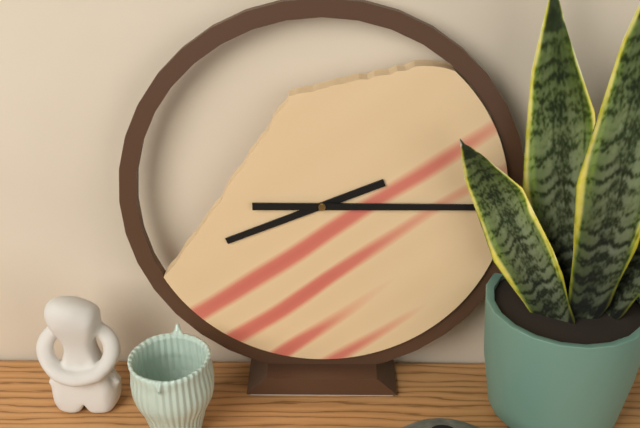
8:15
